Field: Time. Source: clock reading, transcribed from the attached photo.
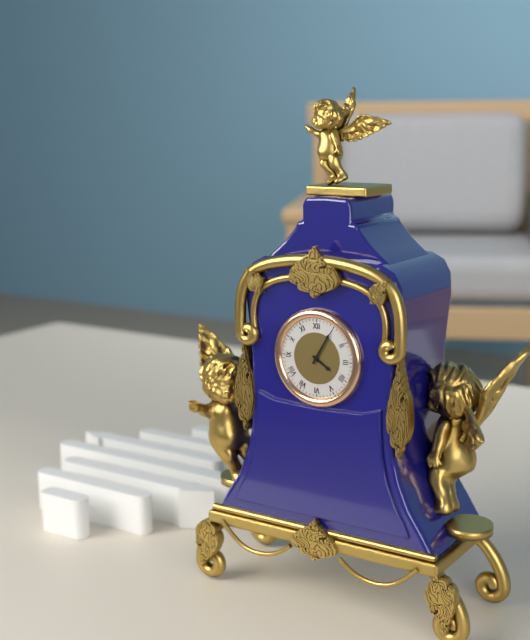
4:05
